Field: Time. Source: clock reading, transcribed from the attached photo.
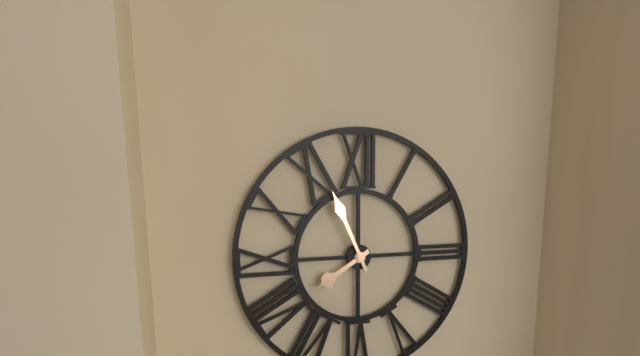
7:56
